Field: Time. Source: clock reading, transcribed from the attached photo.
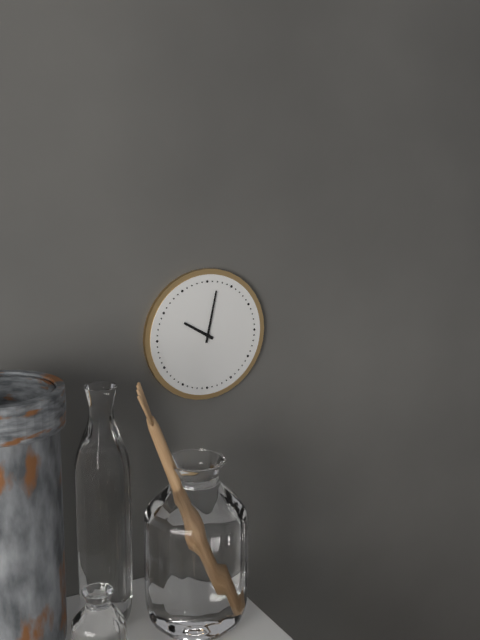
10:02
